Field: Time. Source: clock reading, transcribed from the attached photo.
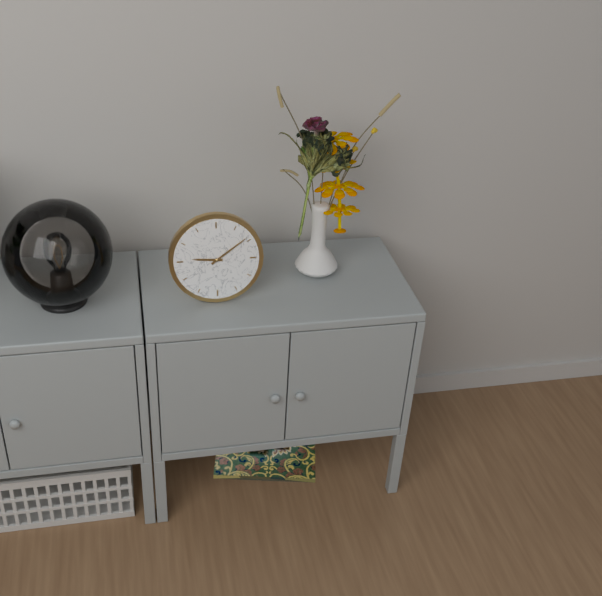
9:09
